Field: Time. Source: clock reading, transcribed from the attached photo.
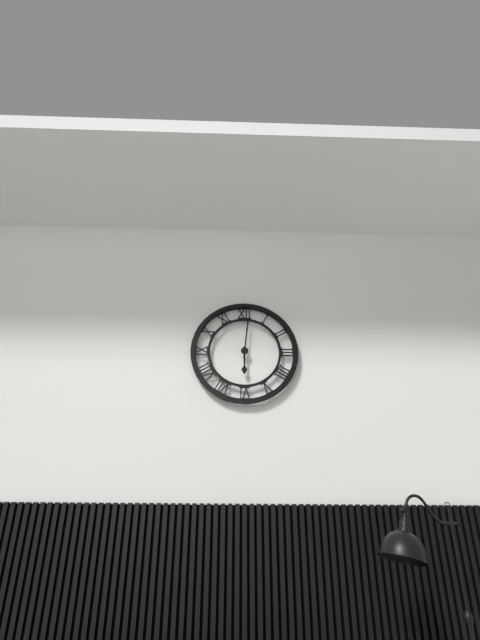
6:01
